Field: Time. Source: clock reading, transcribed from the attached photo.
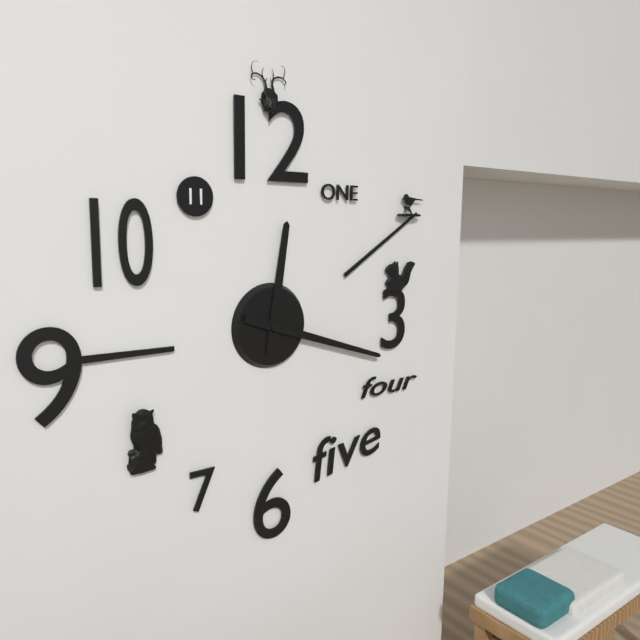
12:18
